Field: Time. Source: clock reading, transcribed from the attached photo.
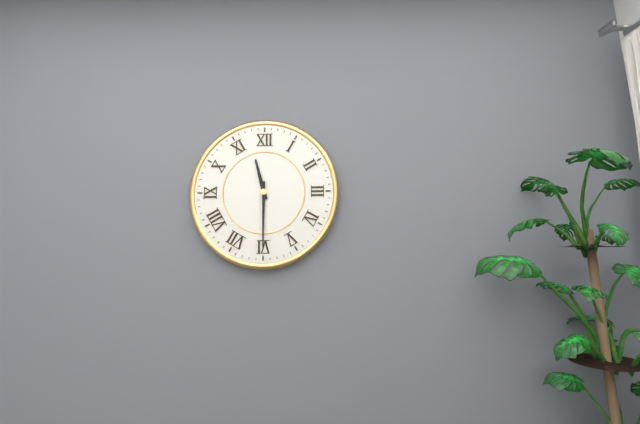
11:30
